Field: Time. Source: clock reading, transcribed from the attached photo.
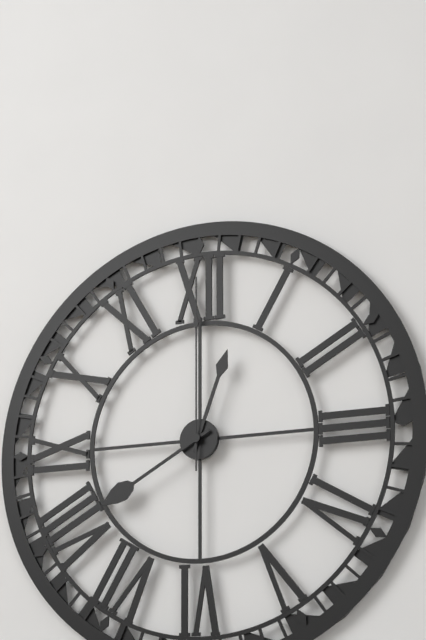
12:40:00
